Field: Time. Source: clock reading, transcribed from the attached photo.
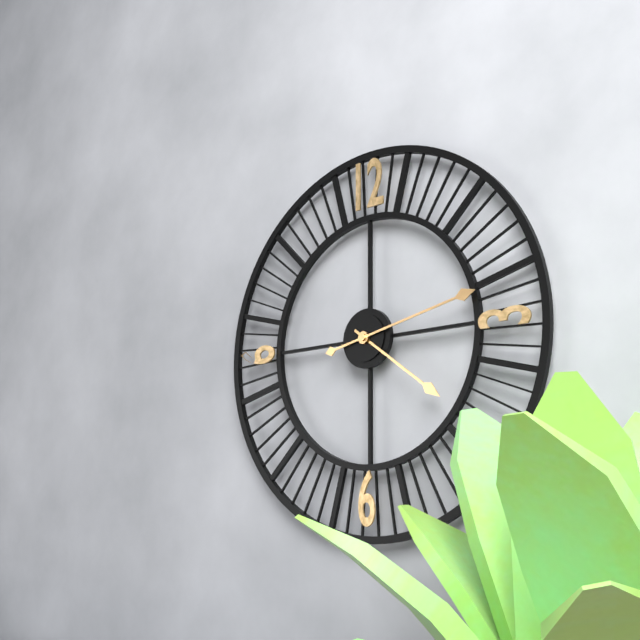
4:13
